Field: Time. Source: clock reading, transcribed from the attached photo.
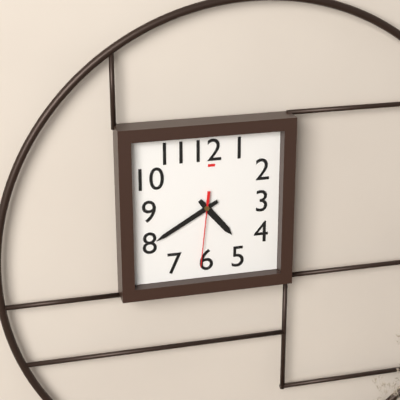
4:40:31
